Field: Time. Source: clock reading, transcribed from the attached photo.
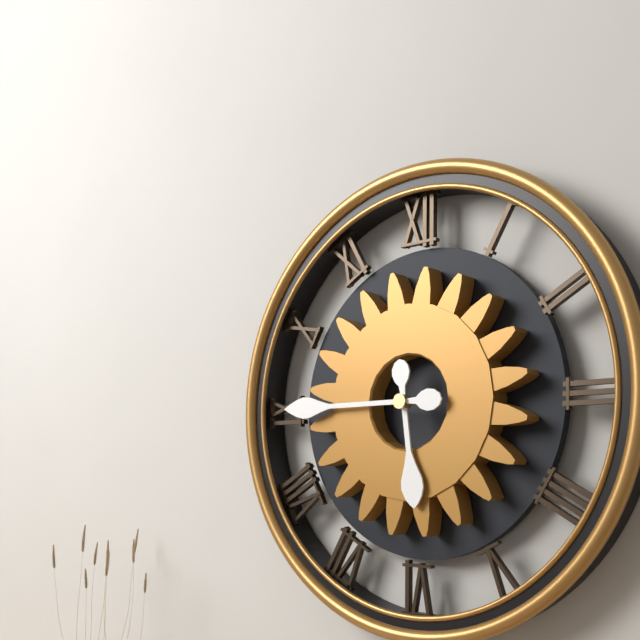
5:45
